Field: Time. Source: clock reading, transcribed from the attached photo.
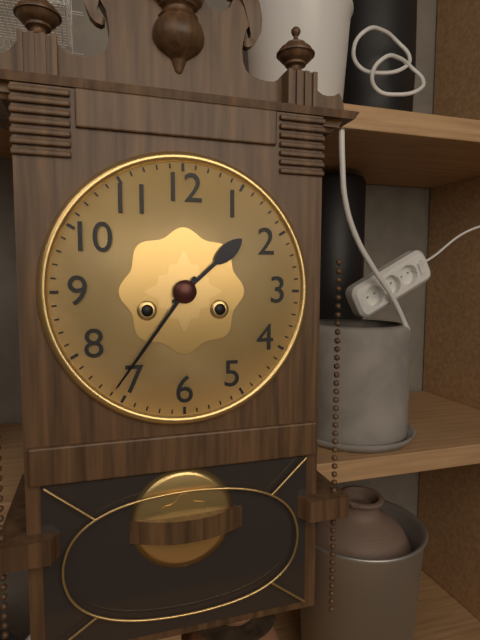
1:36
